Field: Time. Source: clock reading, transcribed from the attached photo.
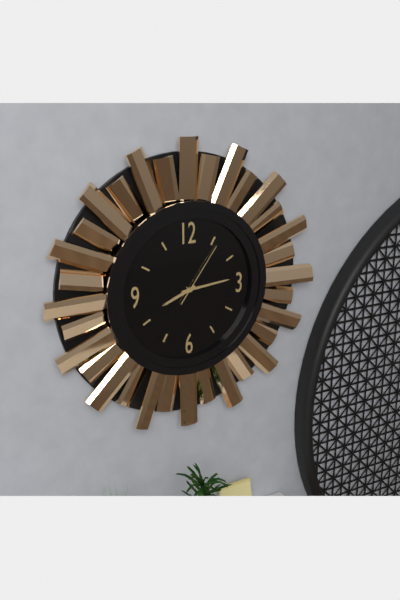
8:14:06
